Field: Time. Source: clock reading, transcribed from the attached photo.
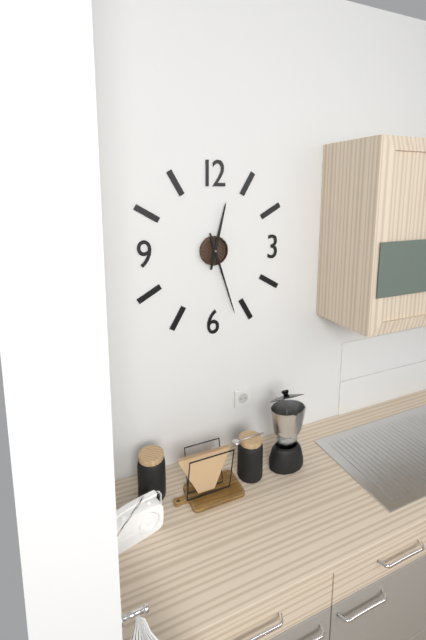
12:27
